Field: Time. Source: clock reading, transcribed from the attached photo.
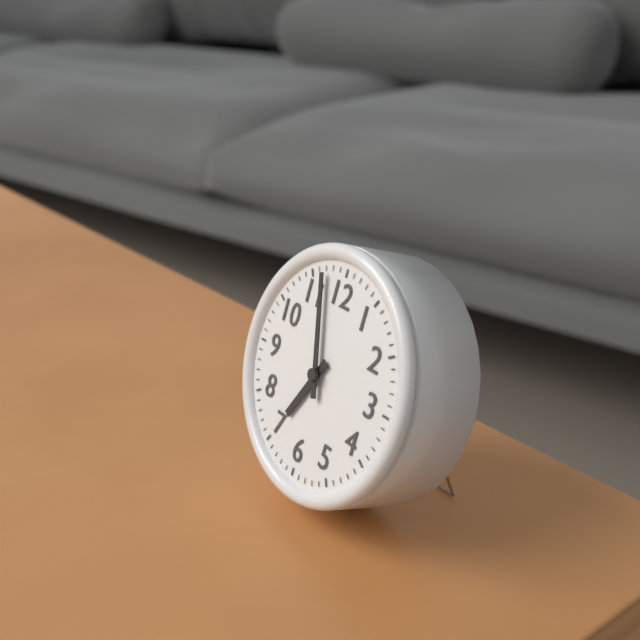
6:57
